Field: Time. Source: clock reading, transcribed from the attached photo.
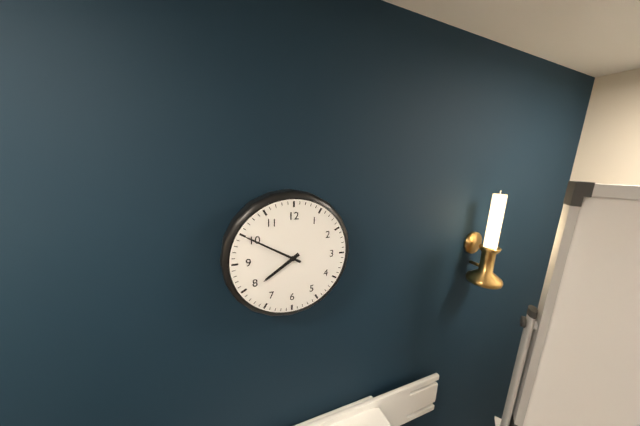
7:50
